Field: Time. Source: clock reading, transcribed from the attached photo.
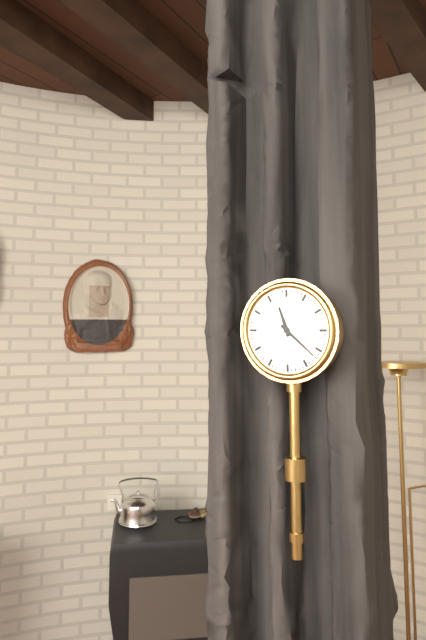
11:22
